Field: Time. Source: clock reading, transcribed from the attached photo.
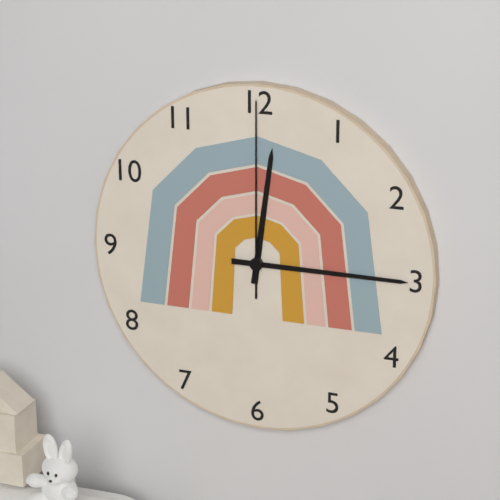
12:15:00
